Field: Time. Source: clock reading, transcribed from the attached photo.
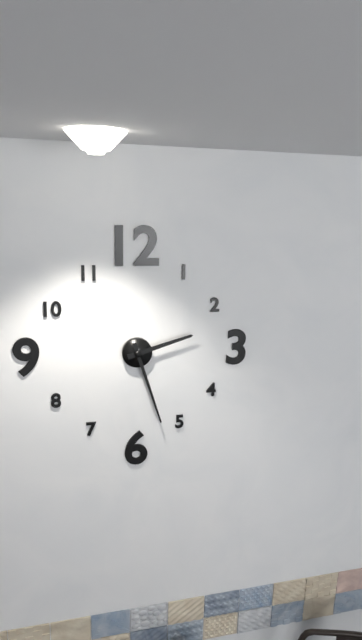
2:27
